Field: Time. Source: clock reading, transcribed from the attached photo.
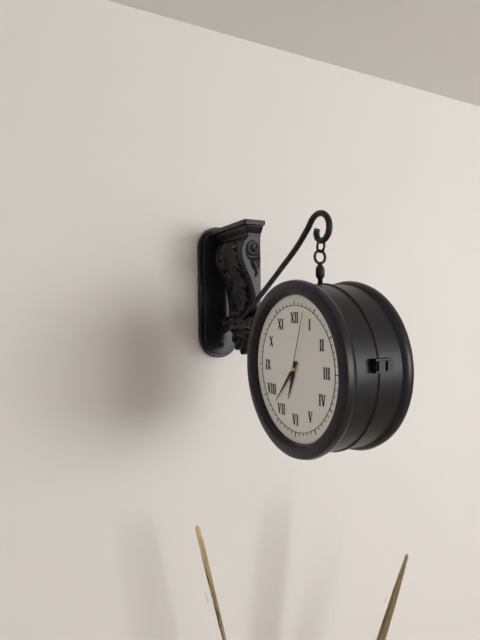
6:37:03
